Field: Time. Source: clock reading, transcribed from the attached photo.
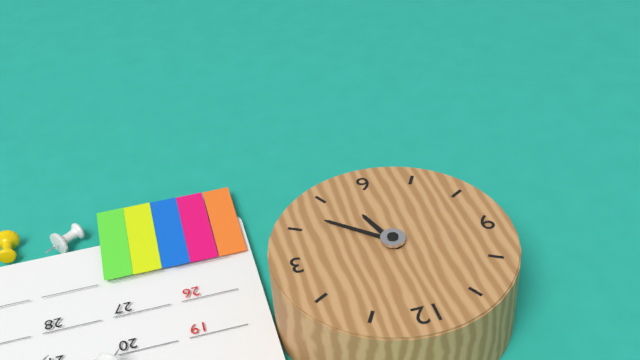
5:22
